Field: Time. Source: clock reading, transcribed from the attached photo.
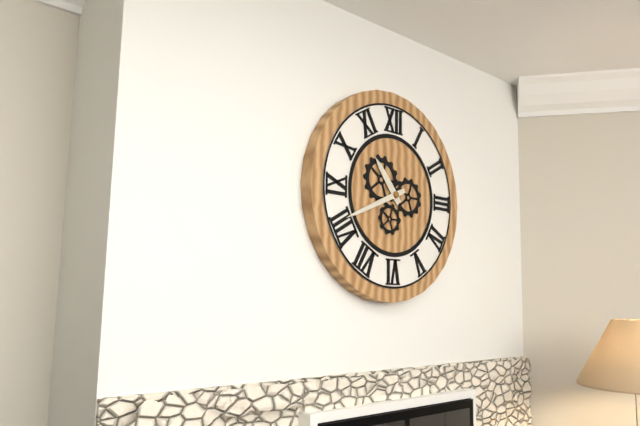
10:41
